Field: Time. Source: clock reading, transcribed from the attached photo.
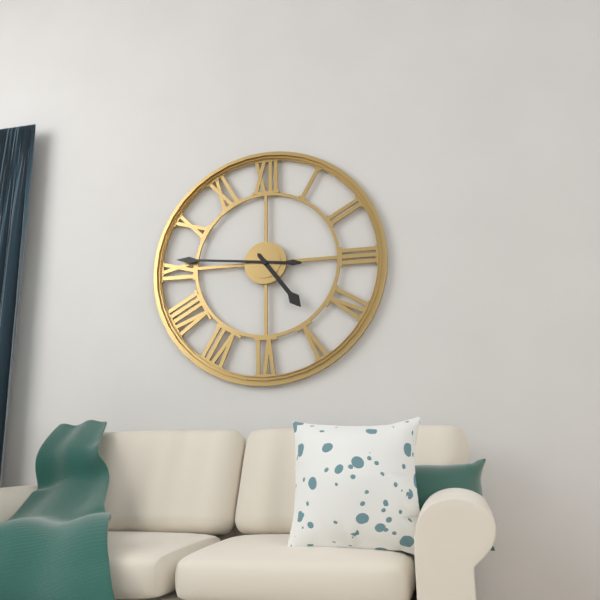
4:46
